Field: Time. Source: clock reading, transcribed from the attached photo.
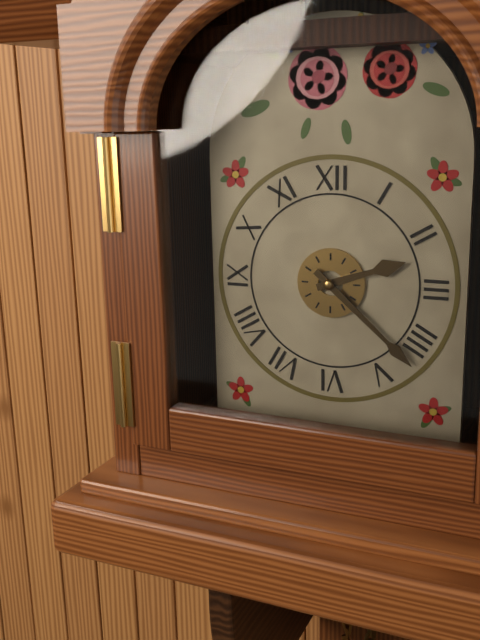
2:22
